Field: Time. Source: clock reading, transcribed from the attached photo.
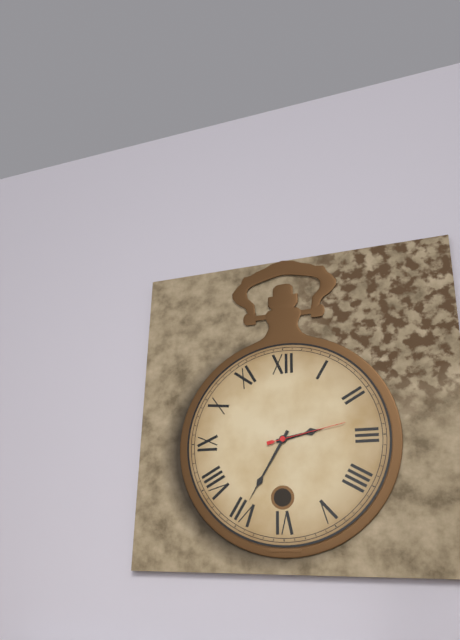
2:35:13
